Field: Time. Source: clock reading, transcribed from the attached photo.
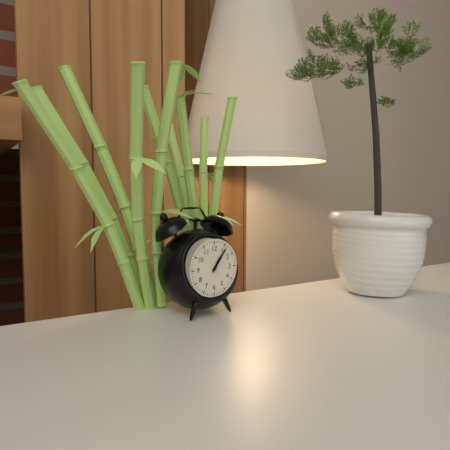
1:06
